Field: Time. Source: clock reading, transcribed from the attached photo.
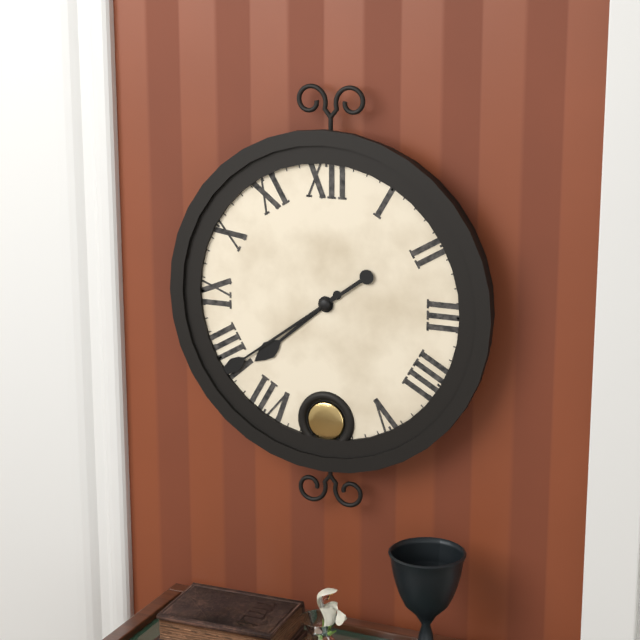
7:39
